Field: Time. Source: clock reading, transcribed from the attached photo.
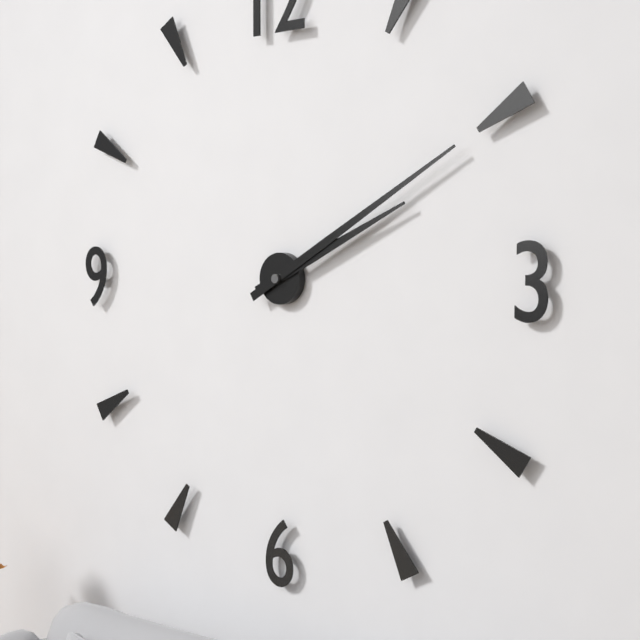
2:10
